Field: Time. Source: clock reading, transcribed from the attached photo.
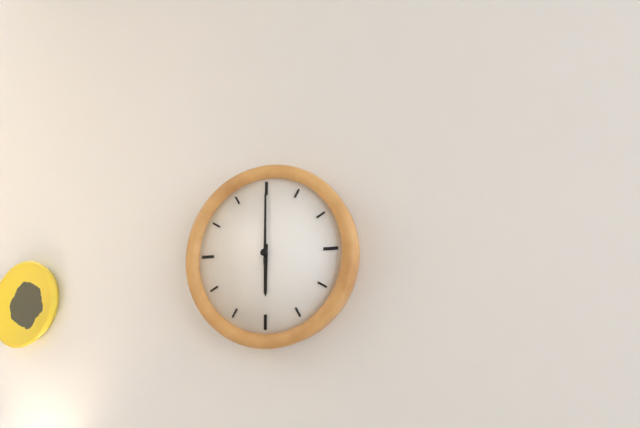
6:00
